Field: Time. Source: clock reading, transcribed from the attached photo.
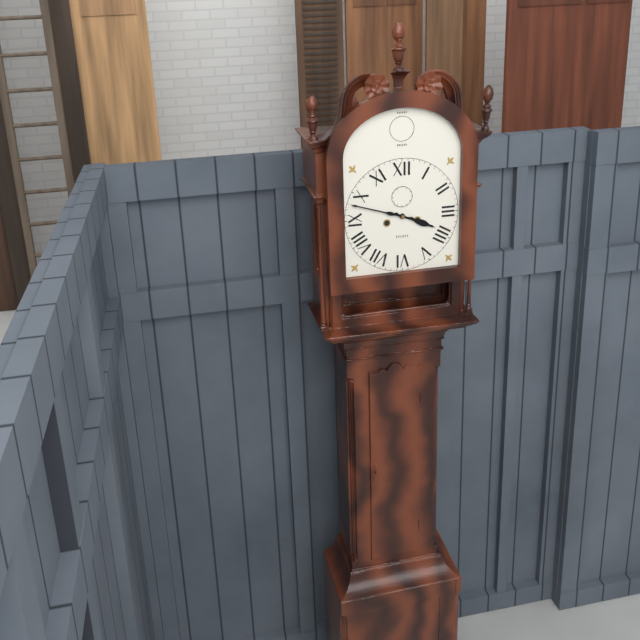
3:48
